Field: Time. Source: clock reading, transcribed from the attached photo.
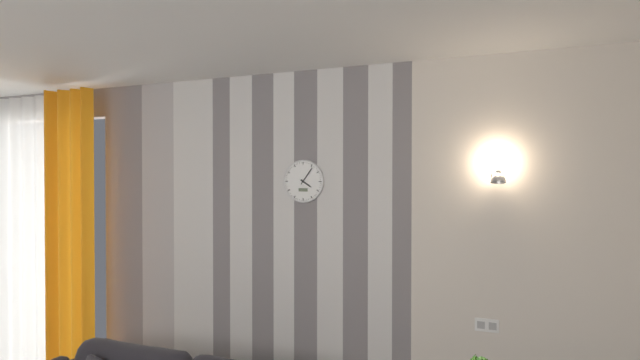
4:06
